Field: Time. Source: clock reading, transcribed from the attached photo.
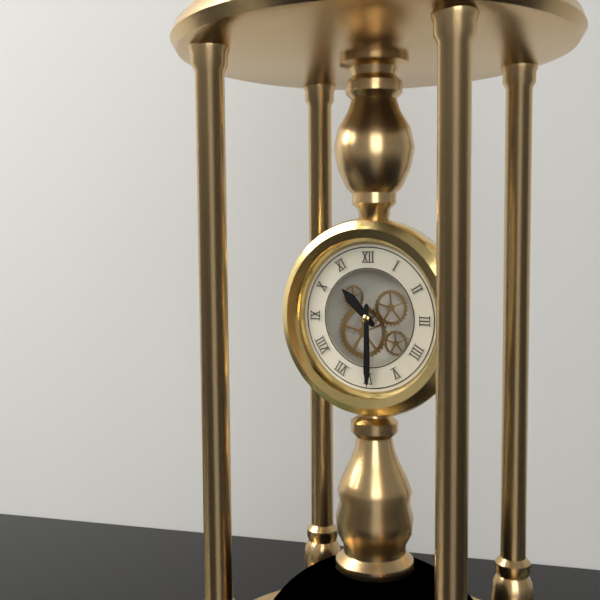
10:30
